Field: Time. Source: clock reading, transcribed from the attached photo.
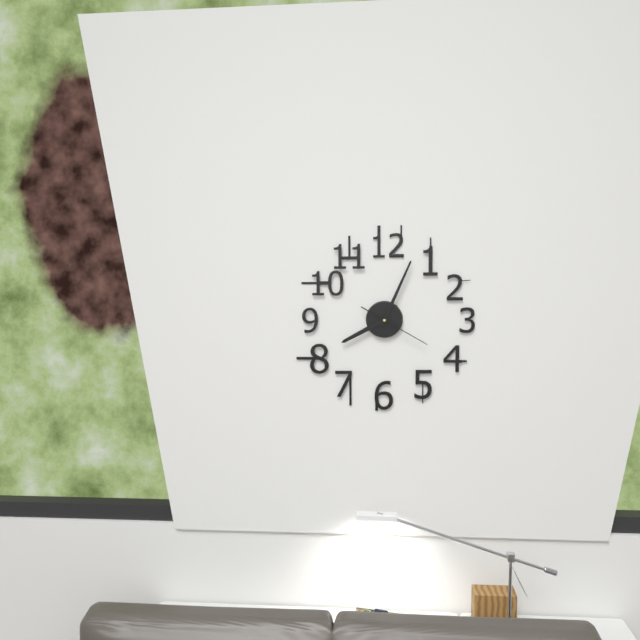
8:04:20
